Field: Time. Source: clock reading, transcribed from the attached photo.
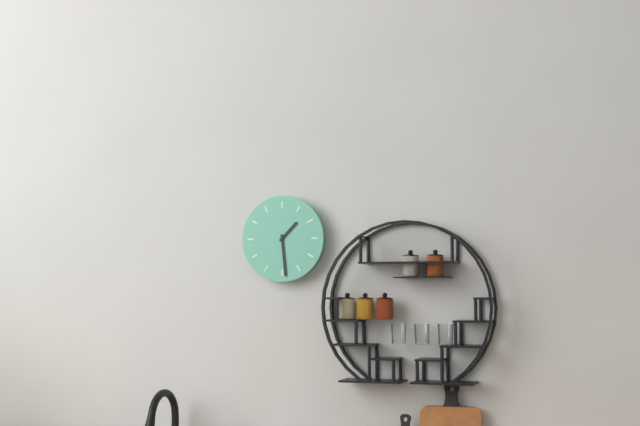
1:29
